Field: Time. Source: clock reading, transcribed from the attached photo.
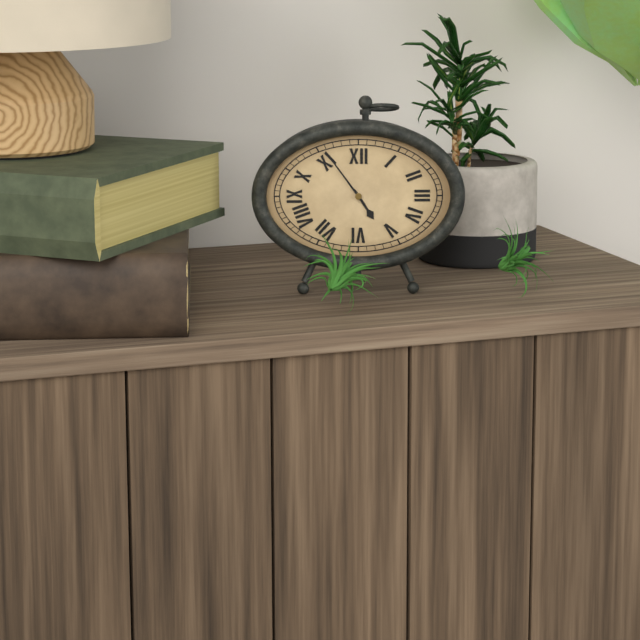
4:54
